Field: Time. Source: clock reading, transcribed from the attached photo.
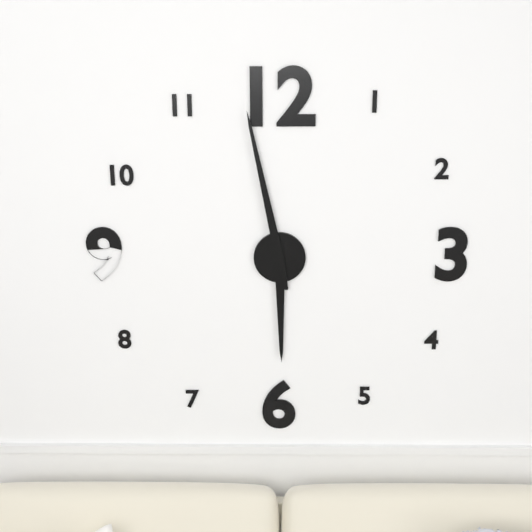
5:58
